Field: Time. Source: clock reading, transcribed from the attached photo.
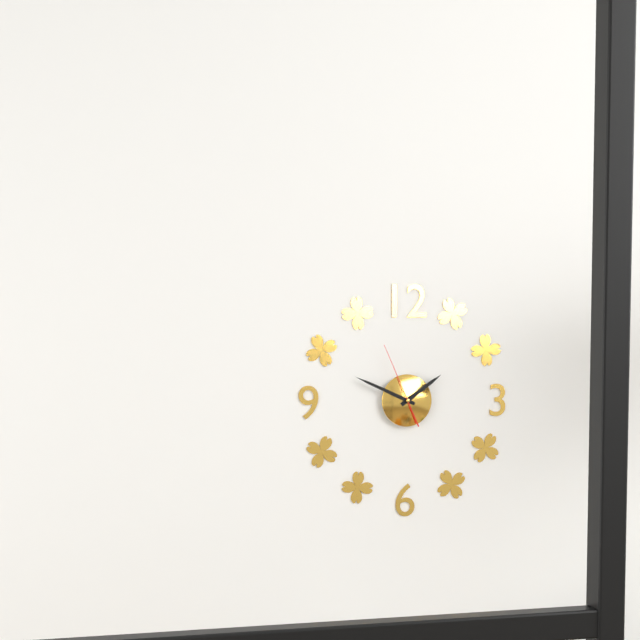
1:49:56
